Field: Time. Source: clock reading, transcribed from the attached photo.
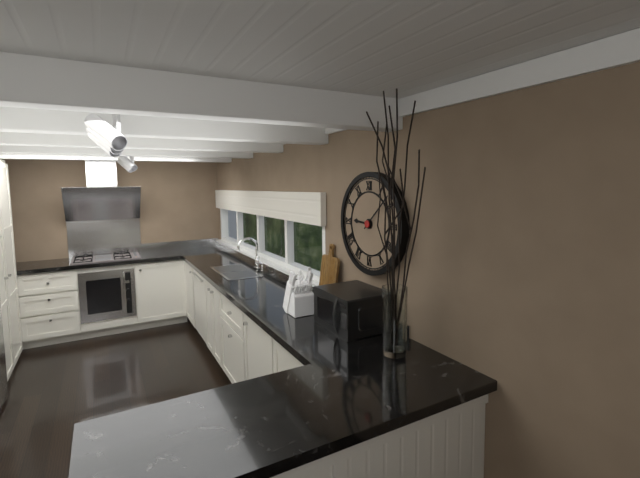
9:08
